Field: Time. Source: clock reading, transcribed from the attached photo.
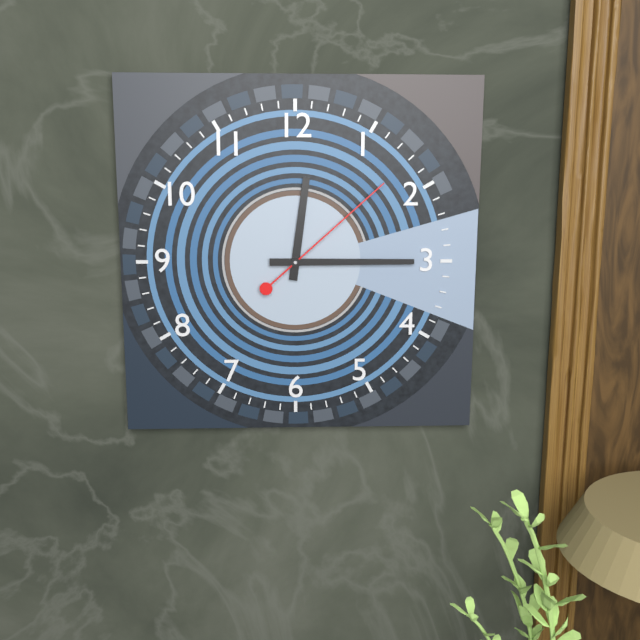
12:15:08
